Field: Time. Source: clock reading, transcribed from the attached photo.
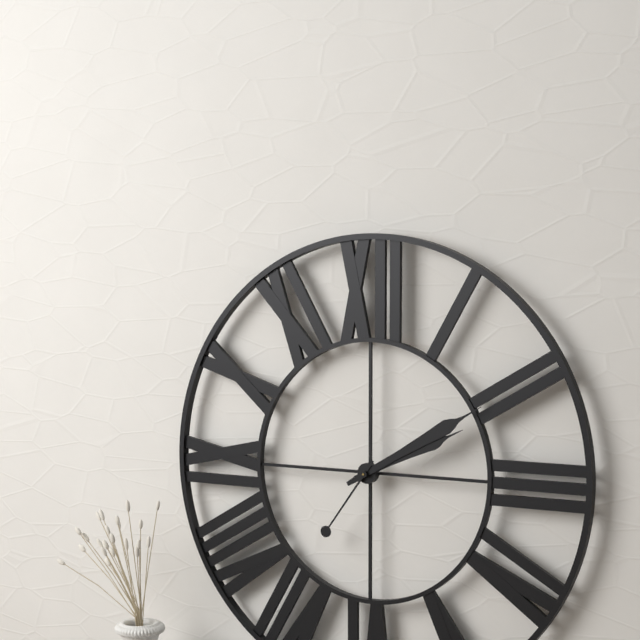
2:10:36
